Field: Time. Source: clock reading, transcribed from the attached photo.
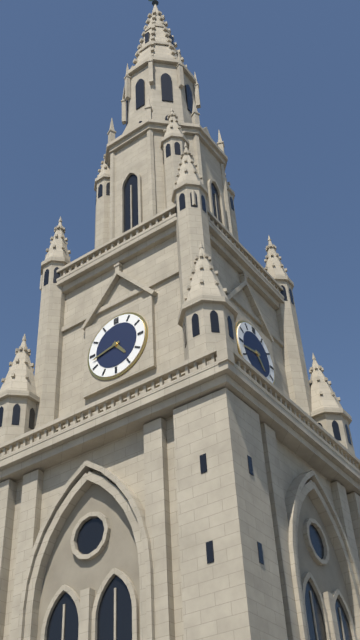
4:43
